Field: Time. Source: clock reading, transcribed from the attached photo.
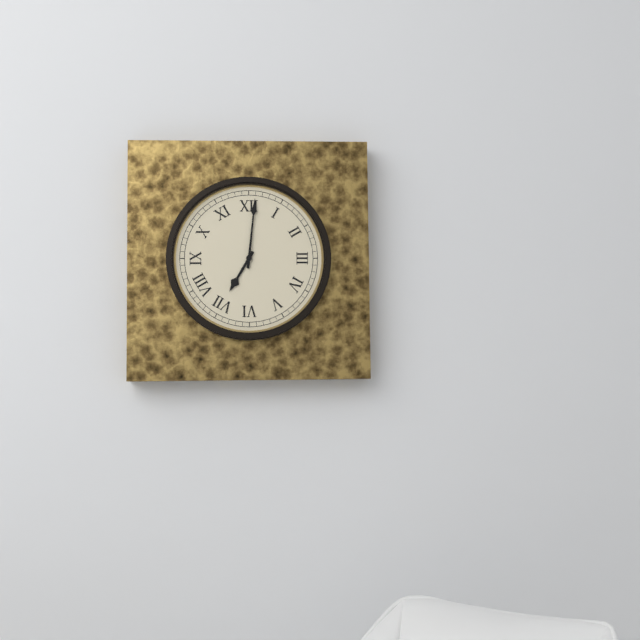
7:01
